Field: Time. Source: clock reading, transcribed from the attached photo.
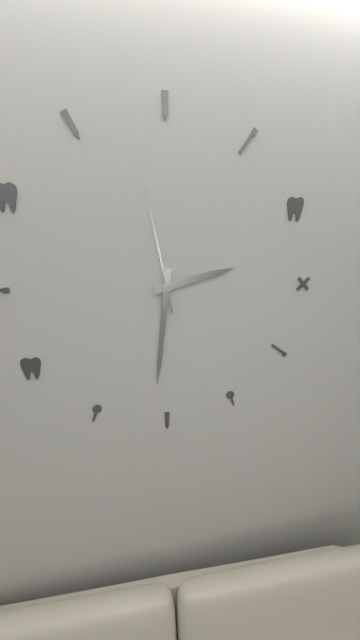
2:31:58
